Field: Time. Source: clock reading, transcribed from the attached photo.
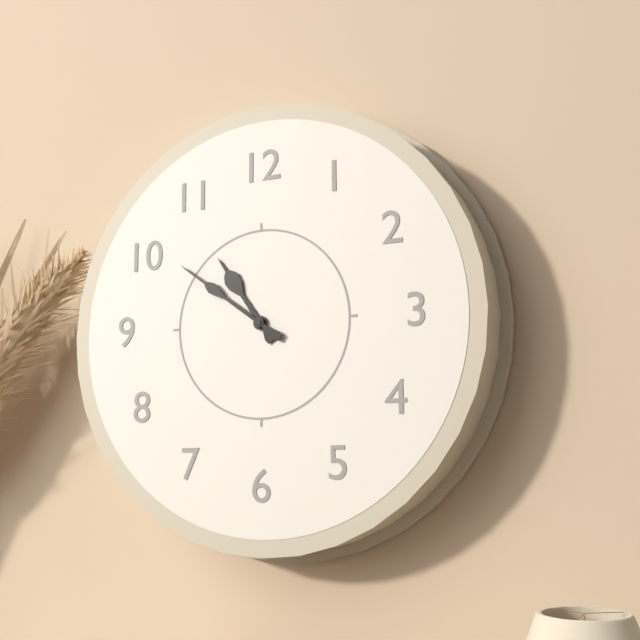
10:51
